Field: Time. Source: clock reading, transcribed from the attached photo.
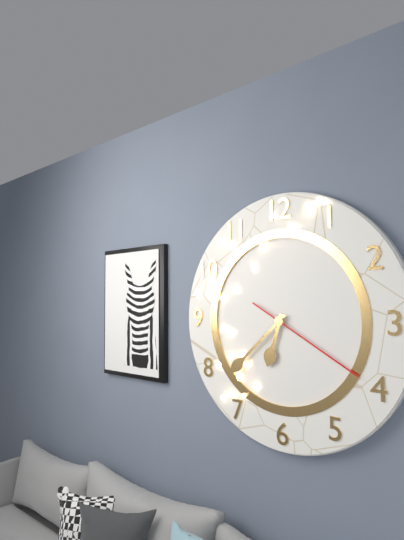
6:38:20
